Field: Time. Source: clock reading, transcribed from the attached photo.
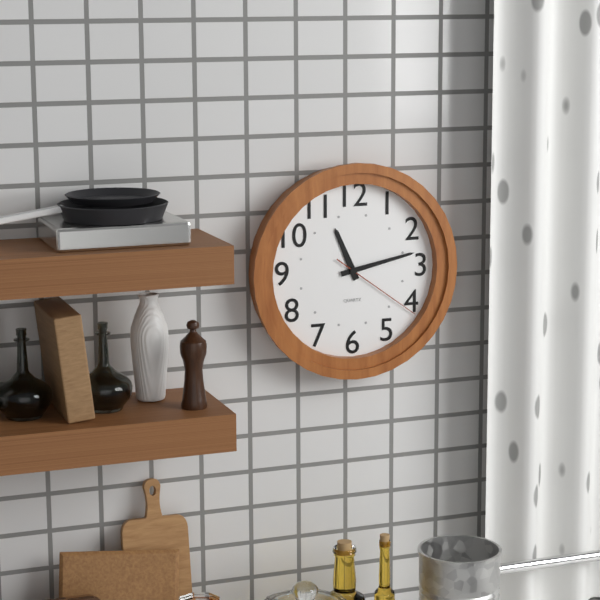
11:13:21
